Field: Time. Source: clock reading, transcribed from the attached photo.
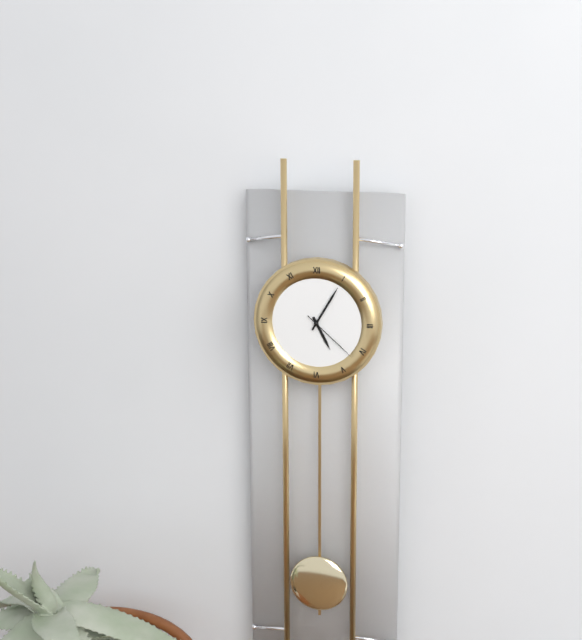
5:05:22
